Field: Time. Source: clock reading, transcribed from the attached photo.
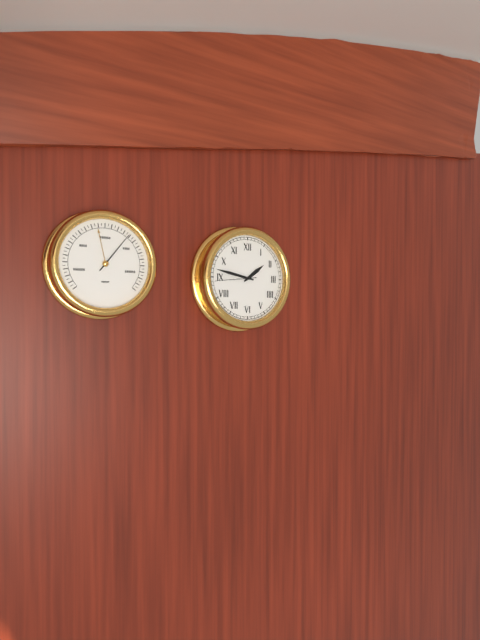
1:47
